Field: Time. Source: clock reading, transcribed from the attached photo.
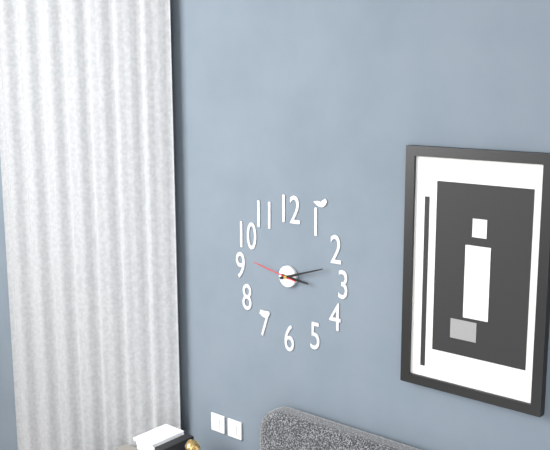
3:12
